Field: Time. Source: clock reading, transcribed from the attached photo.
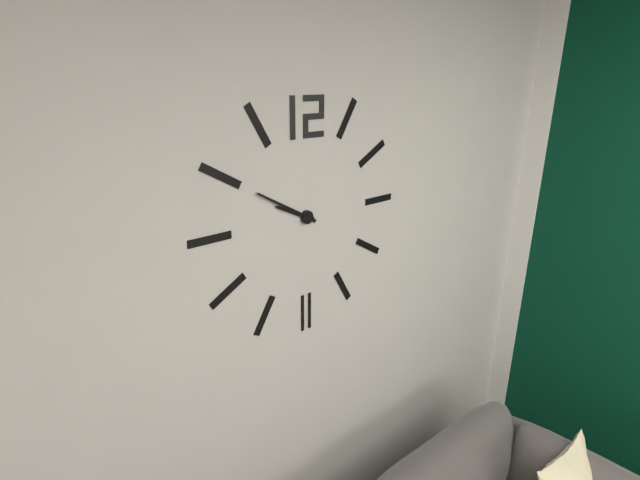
9:50
